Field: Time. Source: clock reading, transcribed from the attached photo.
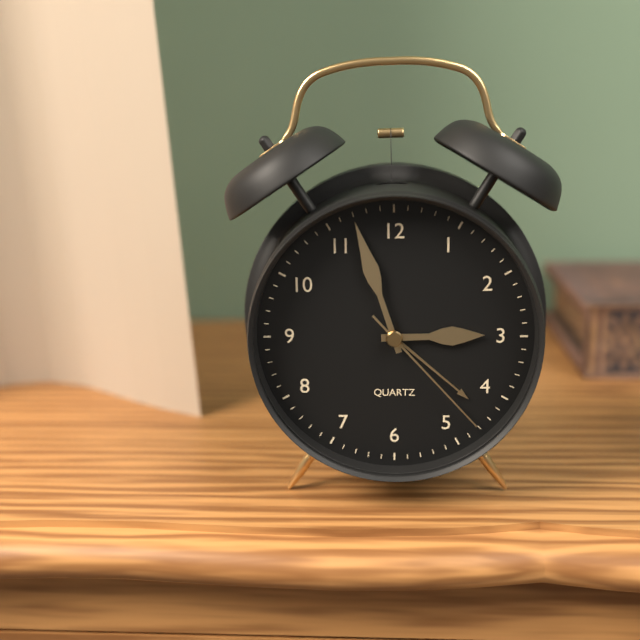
2:57:23
